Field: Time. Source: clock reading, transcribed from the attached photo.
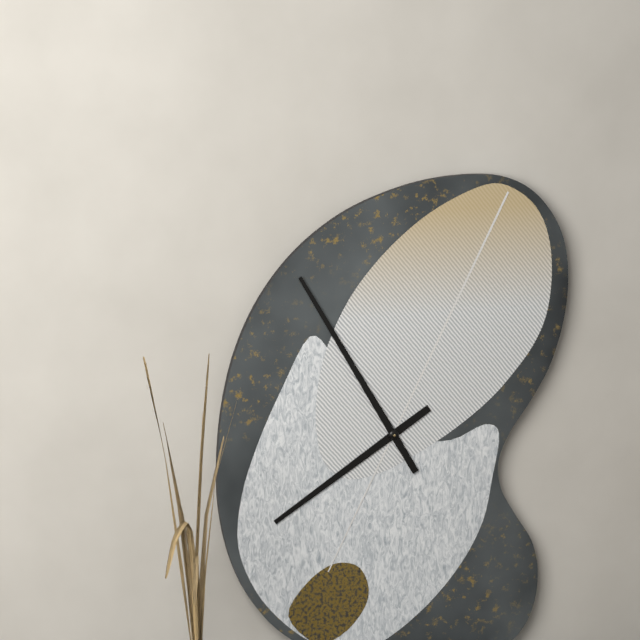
7:55
